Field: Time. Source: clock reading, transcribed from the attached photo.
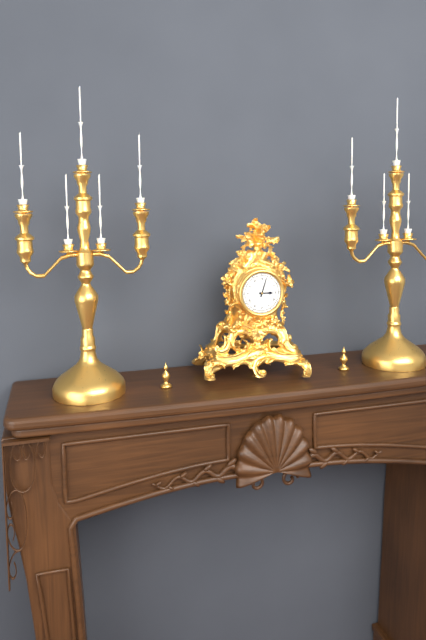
3:03
